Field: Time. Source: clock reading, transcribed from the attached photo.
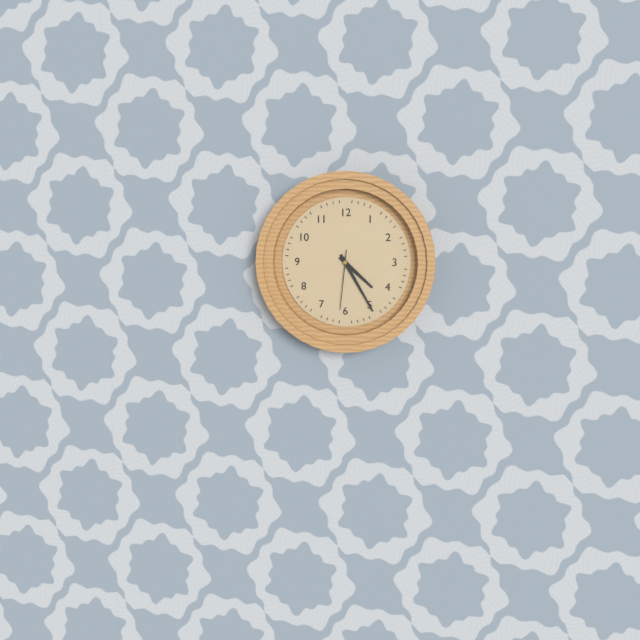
4:25:31
